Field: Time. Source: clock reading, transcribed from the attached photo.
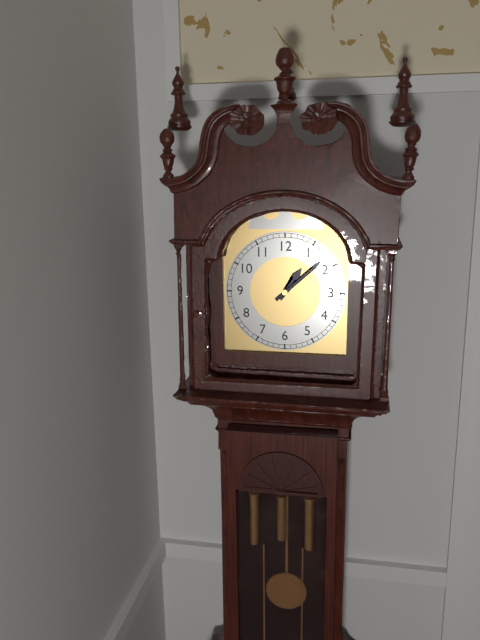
1:08
